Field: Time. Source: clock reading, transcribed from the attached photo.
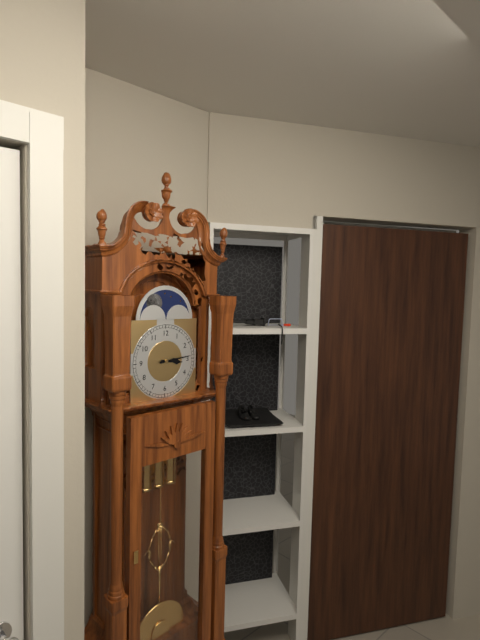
3:14
